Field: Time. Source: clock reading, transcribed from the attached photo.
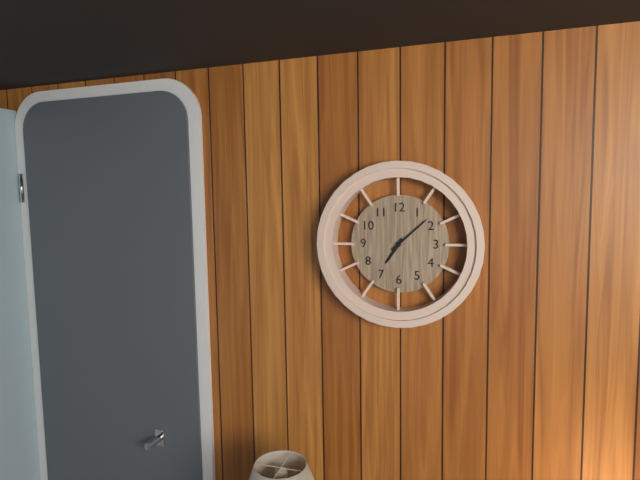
7:08
